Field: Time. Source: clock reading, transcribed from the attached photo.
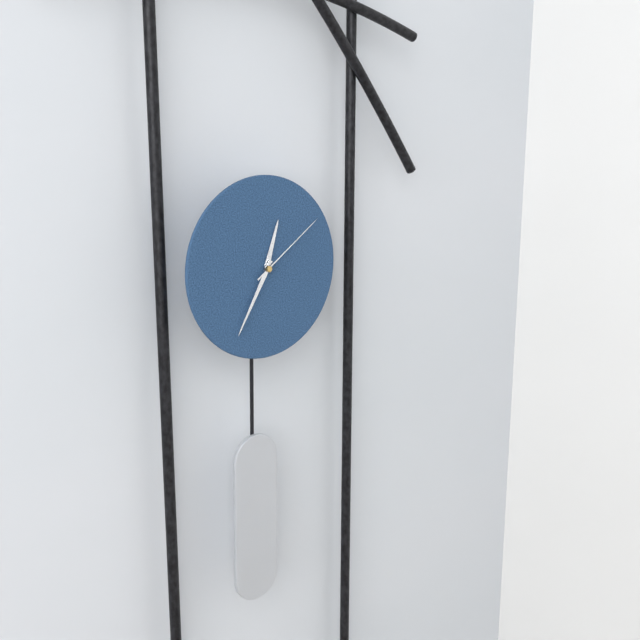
12:35:09
